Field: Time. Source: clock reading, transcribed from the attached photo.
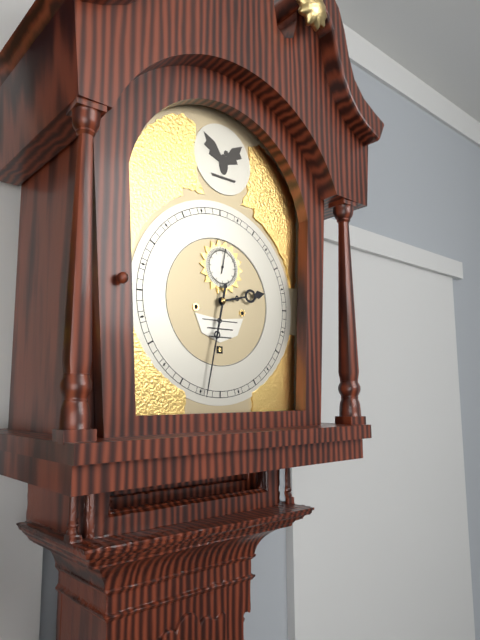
2:32
